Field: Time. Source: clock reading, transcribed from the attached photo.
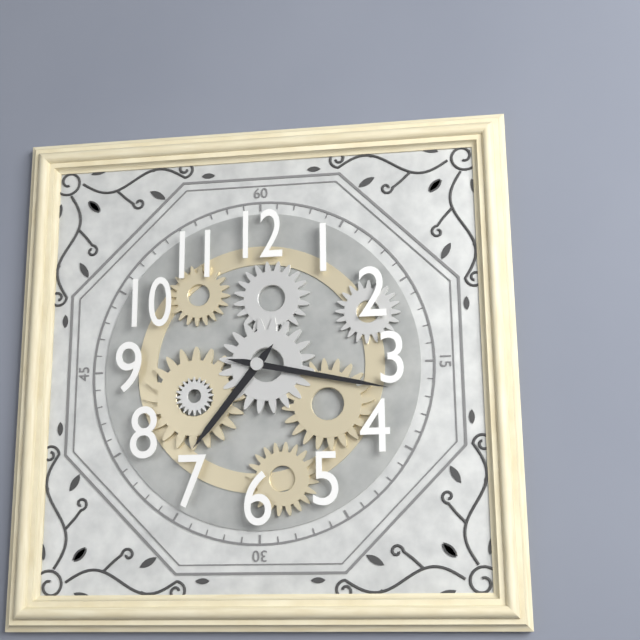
7:17
